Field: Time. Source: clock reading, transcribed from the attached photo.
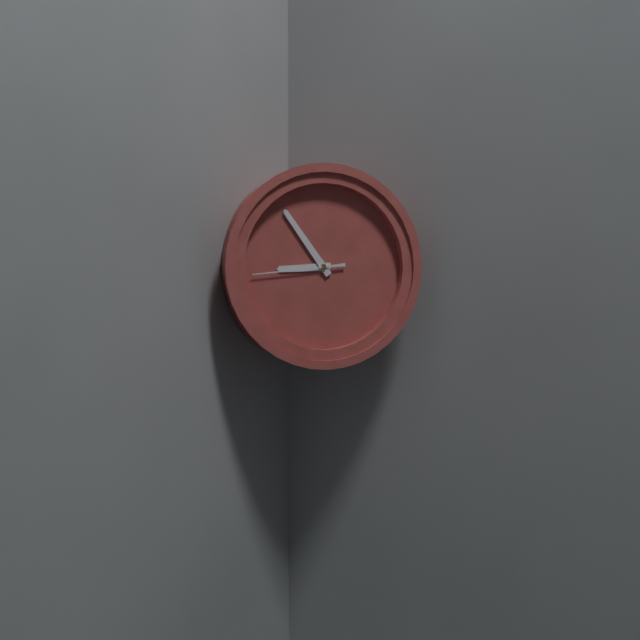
8:54:44
